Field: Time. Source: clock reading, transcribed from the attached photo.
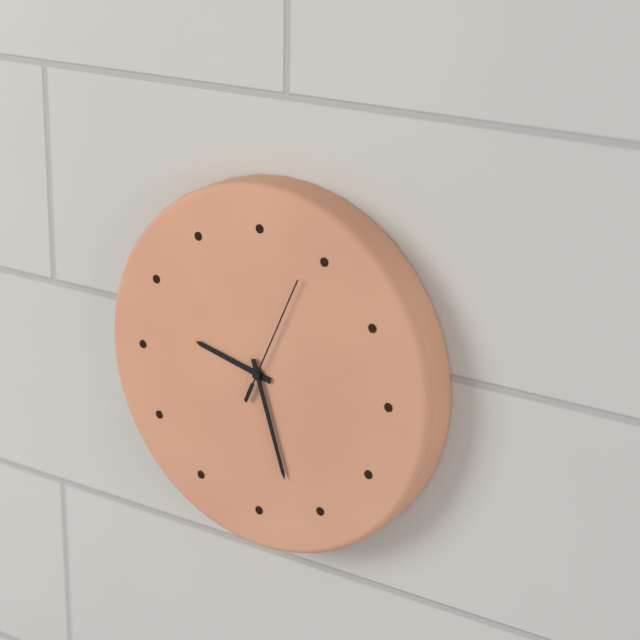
9:27:04
